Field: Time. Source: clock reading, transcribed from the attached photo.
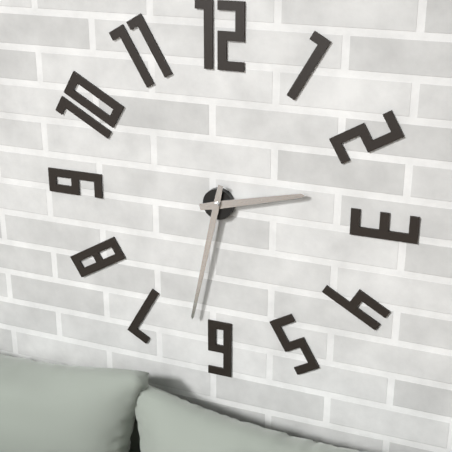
2:32
